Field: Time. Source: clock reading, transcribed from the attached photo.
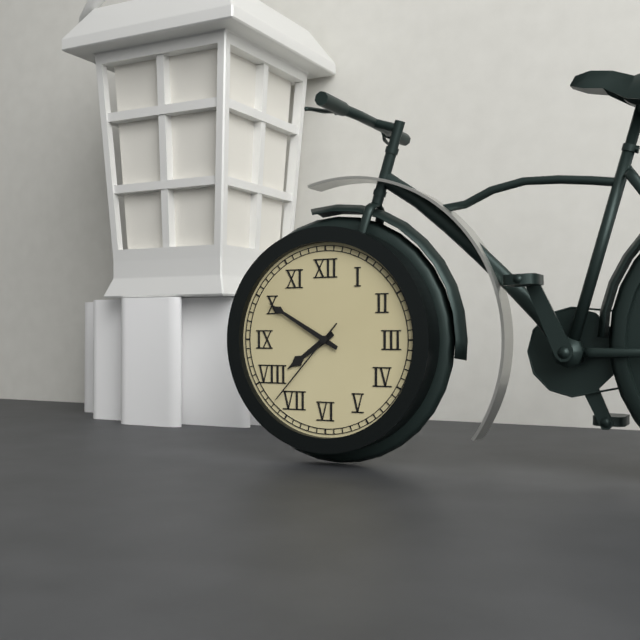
7:50:37
